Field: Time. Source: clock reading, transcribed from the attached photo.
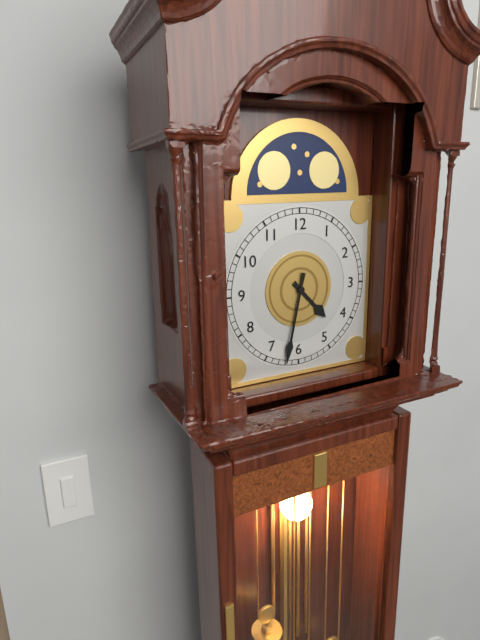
4:32
